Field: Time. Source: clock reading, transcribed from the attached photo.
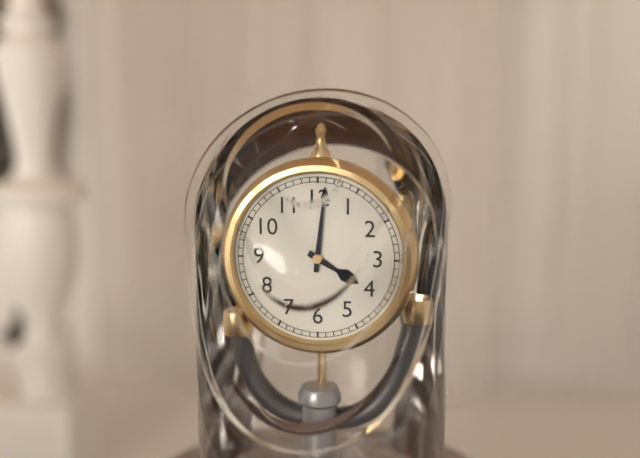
4:01
